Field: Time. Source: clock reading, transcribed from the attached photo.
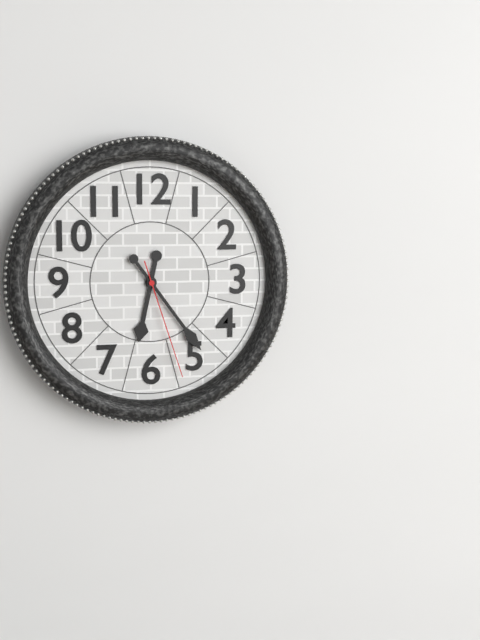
6:24:27
